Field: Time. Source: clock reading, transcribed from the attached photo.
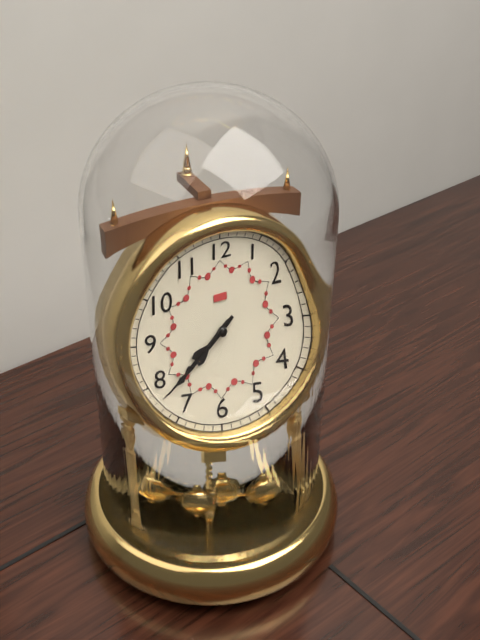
7:38
